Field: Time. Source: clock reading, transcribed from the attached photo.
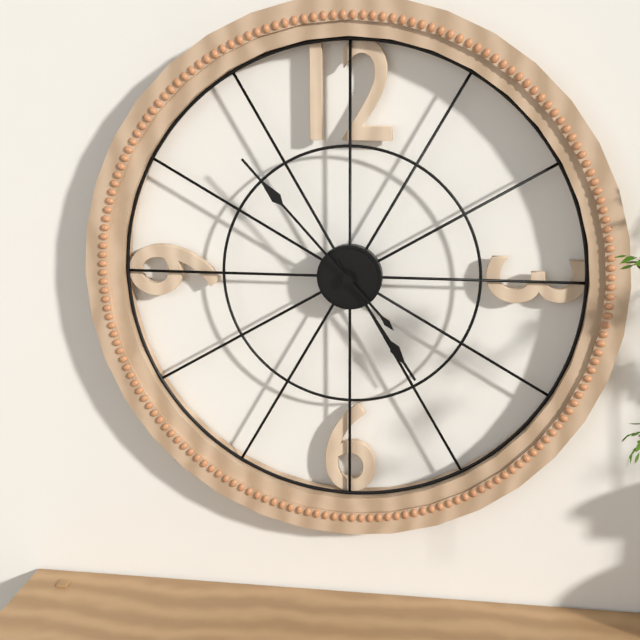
4:53
